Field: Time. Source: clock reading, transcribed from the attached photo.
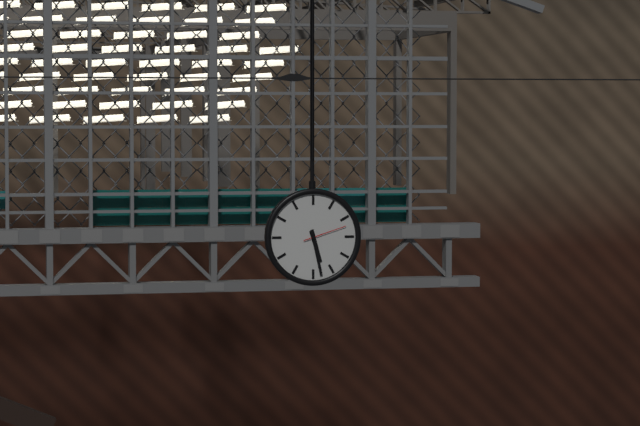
5:28
